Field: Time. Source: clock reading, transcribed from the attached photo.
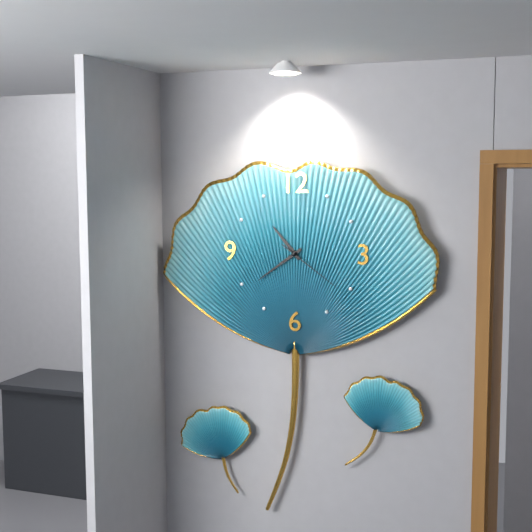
10:39:21
